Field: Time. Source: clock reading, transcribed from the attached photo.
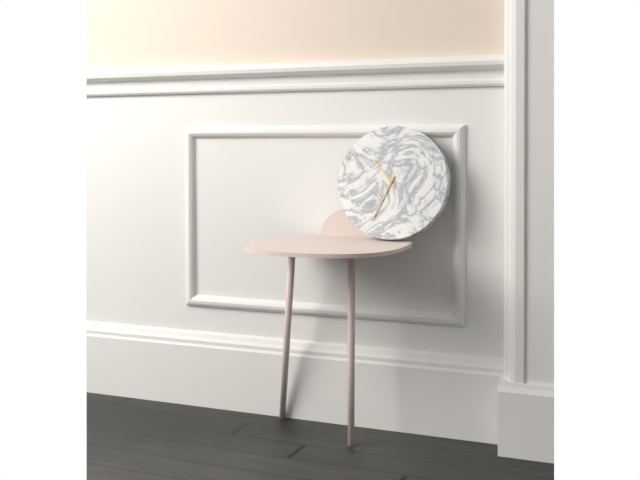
10:34
